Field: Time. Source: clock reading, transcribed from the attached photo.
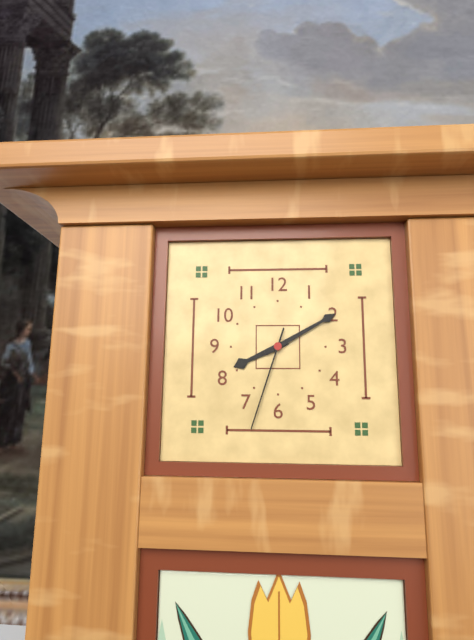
8:10:33
